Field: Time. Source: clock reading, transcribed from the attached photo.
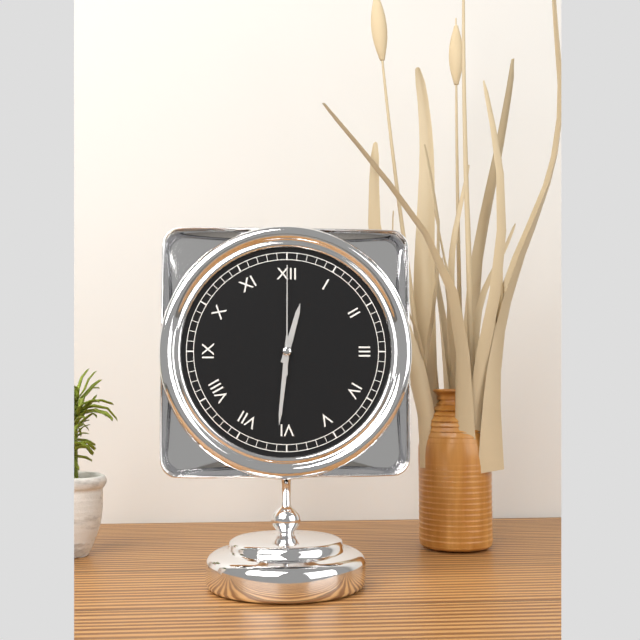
12:31:00
